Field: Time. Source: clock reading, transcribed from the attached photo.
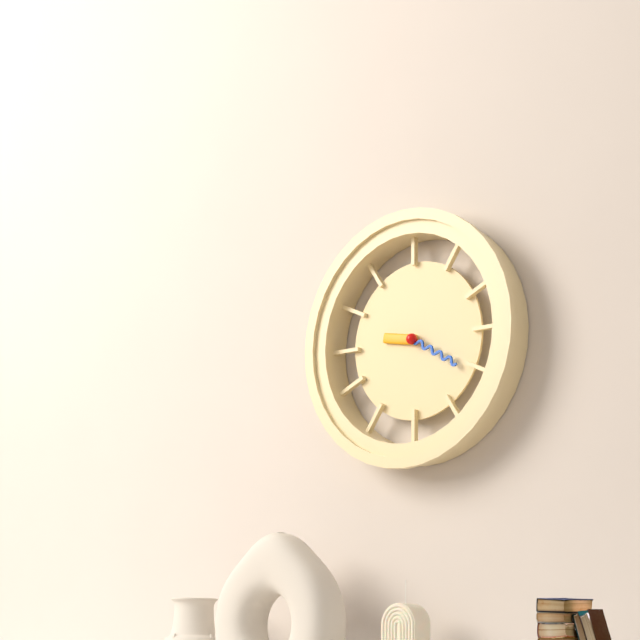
9:20
